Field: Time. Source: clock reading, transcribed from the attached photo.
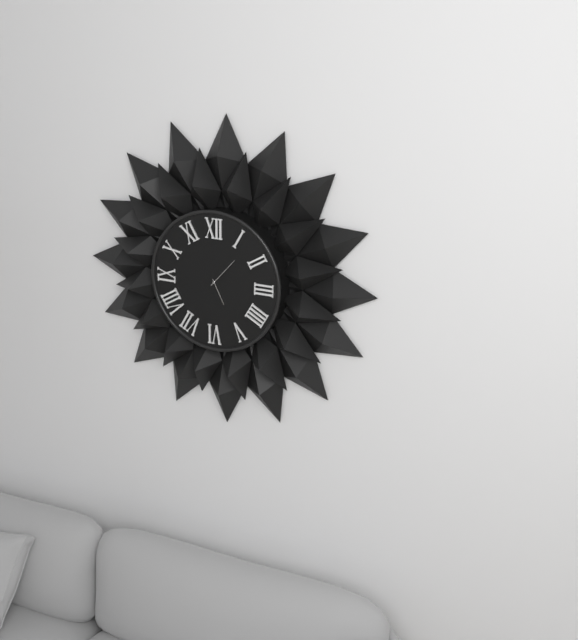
5:07
